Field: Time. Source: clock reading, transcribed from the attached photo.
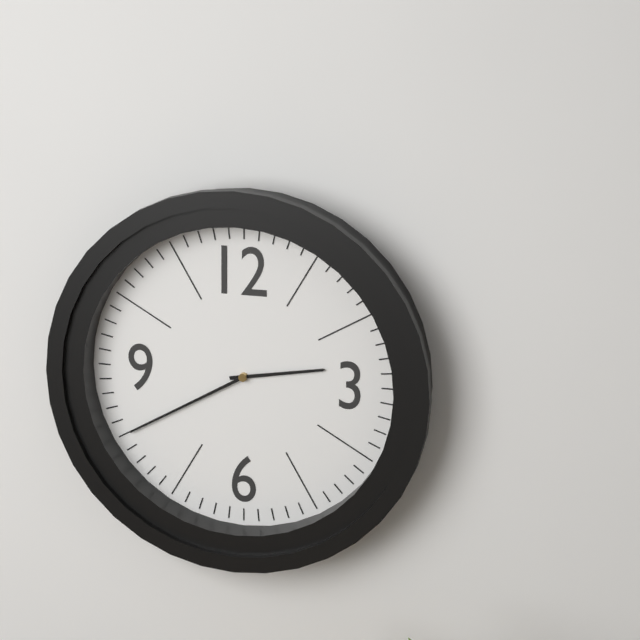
2:40
